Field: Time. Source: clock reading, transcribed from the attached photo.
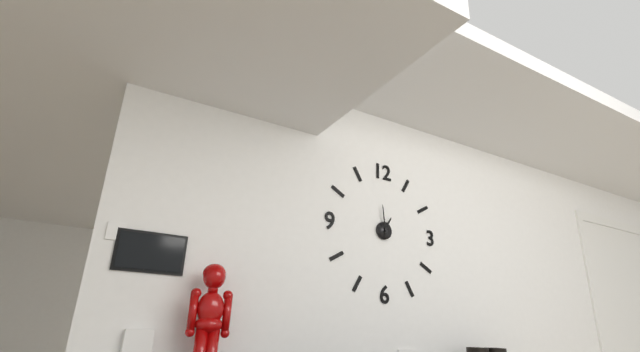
12:59
